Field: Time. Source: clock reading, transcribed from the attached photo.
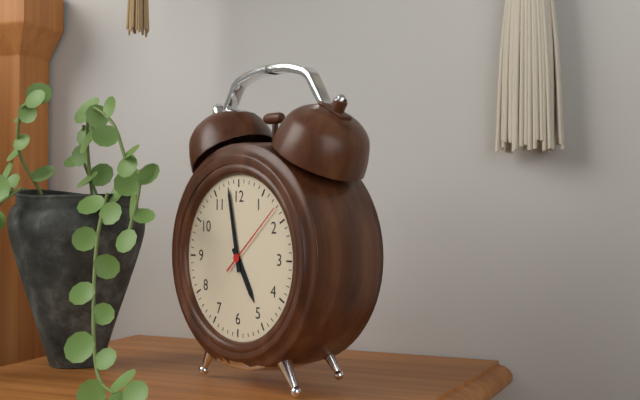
4:58:08
